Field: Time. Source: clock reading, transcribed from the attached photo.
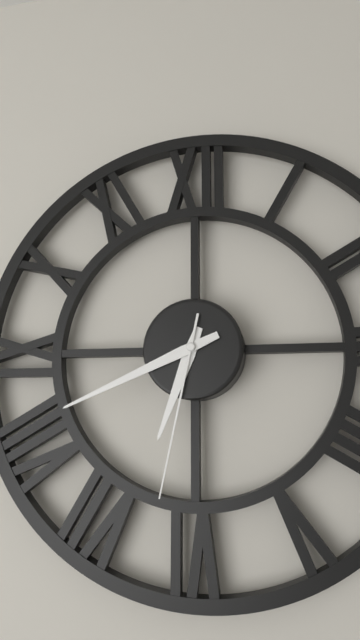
6:41:32
